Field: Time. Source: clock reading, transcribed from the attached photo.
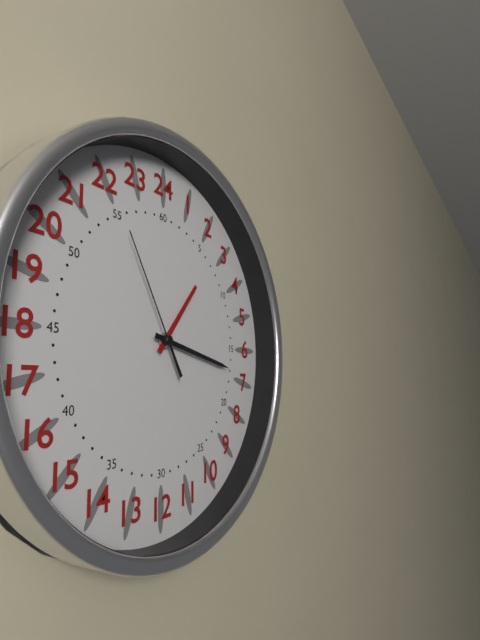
1:17:55
